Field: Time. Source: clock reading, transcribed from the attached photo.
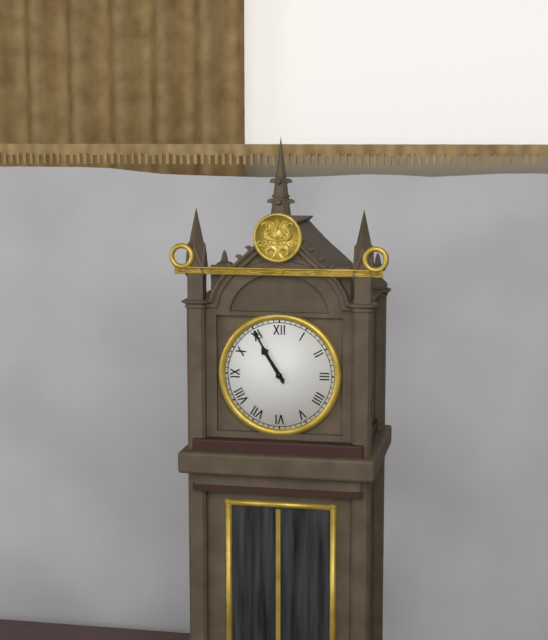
10:55
